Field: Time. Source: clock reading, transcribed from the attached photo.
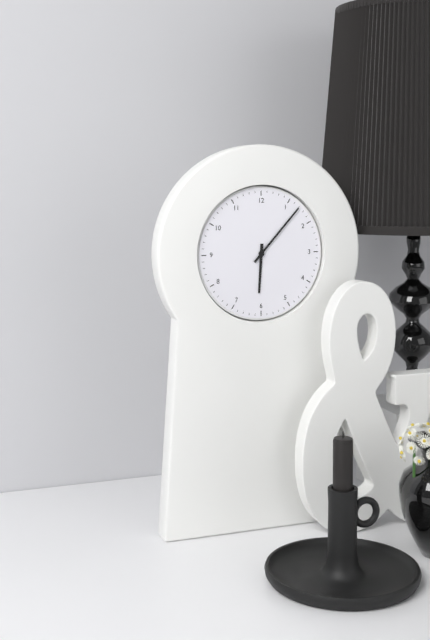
6:07
